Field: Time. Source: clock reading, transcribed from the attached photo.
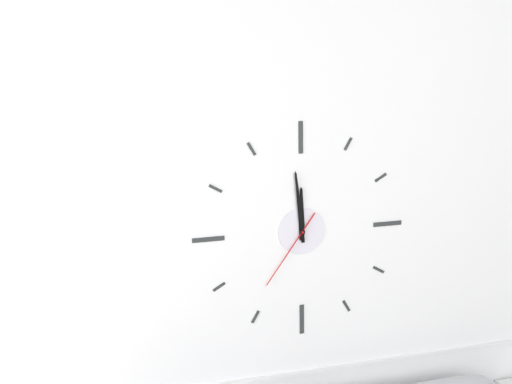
11:59:36
